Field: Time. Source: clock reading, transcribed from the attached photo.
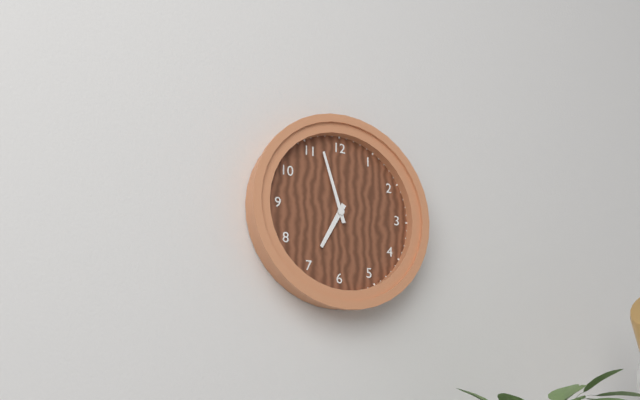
6:57
